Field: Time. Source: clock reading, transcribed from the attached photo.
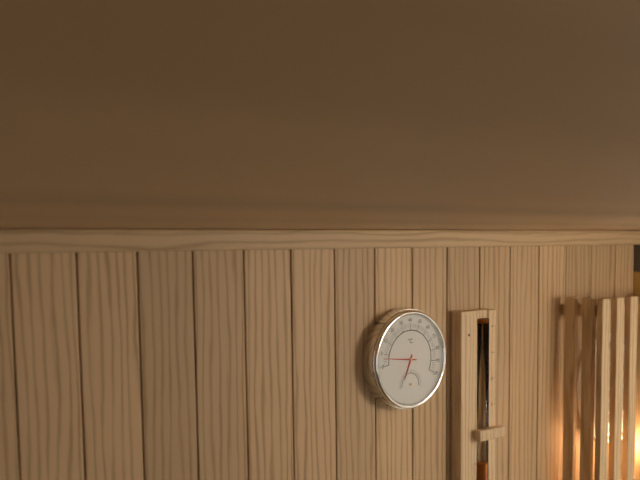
6:46
